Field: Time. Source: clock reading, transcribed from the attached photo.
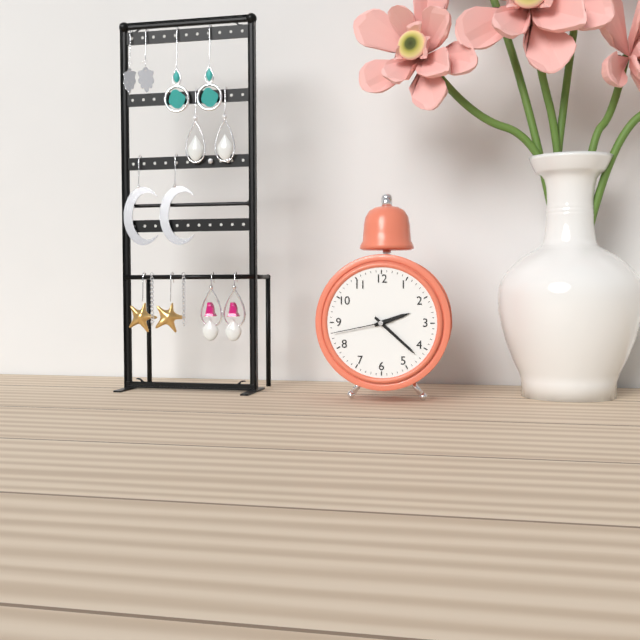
2:22:43
